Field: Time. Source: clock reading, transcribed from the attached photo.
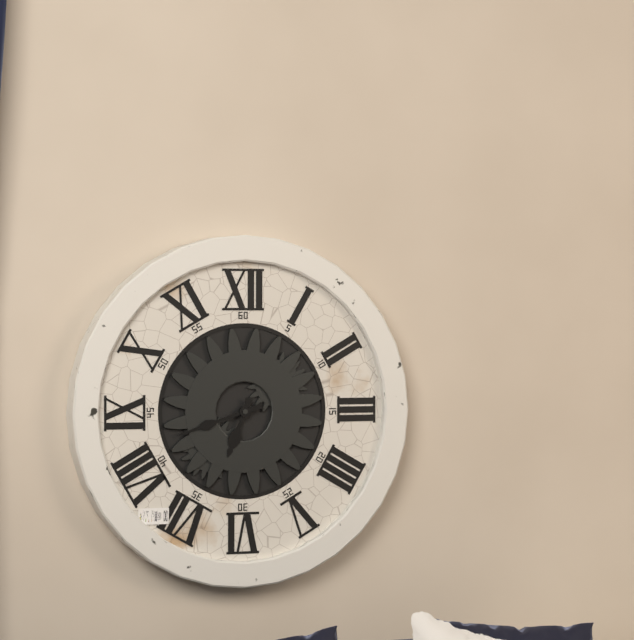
6:42
